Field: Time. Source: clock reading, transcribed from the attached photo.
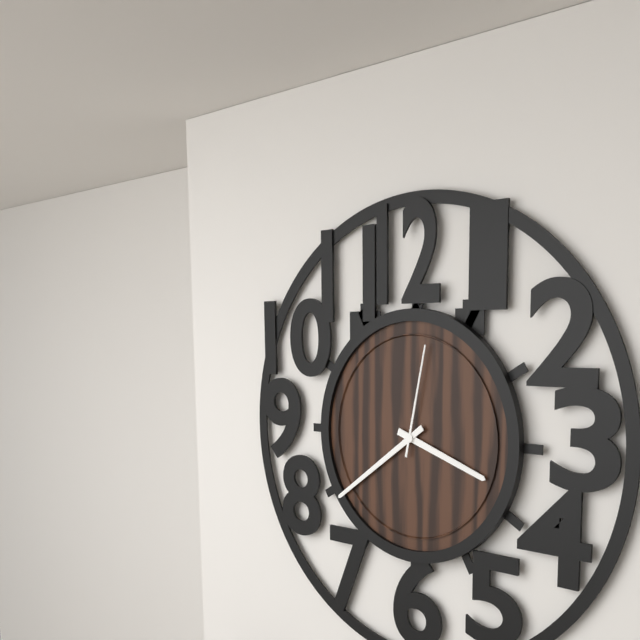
3:39:02
